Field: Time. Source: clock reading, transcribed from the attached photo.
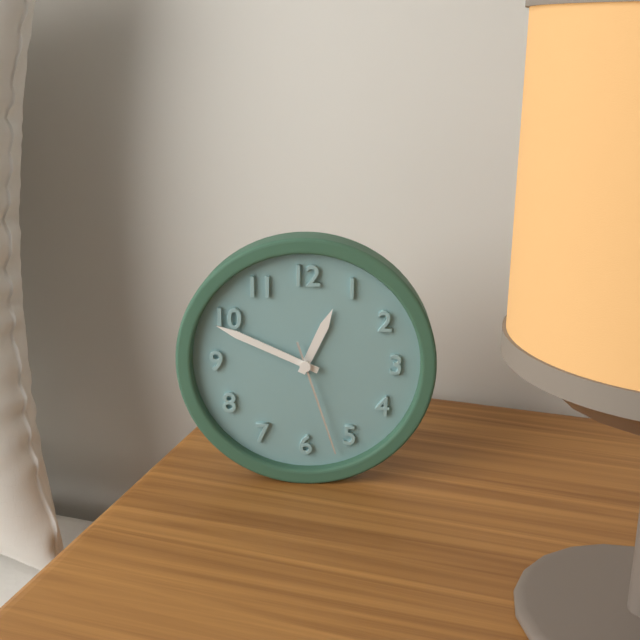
12:49:27
